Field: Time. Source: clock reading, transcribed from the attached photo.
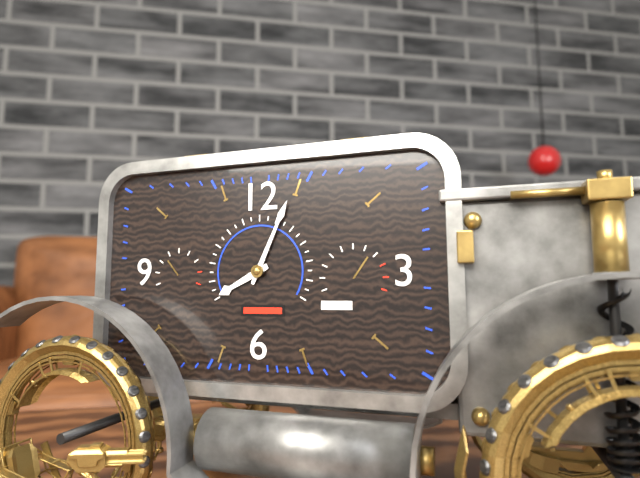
8:04
